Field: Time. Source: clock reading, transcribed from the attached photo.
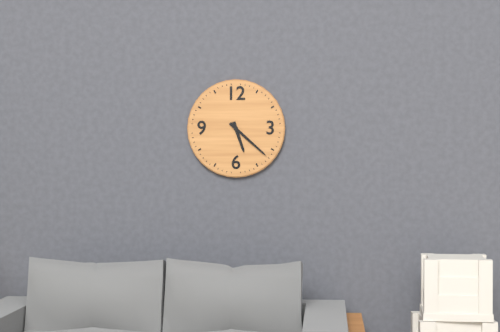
5:22
